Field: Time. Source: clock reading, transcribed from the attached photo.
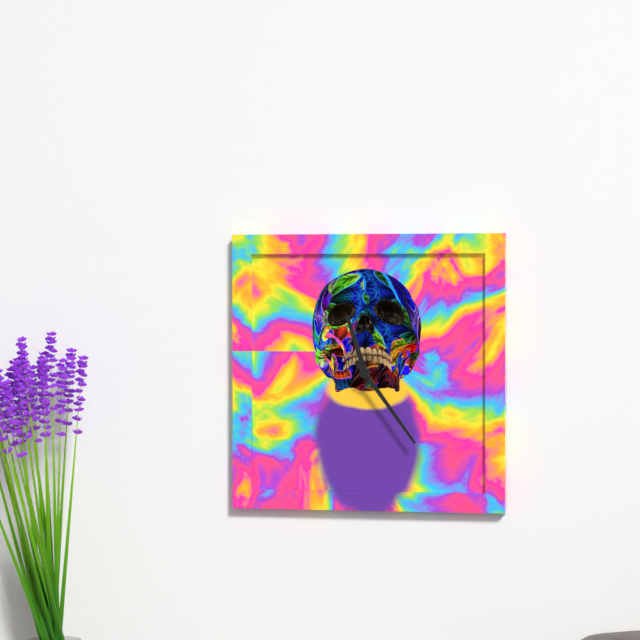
11:24
